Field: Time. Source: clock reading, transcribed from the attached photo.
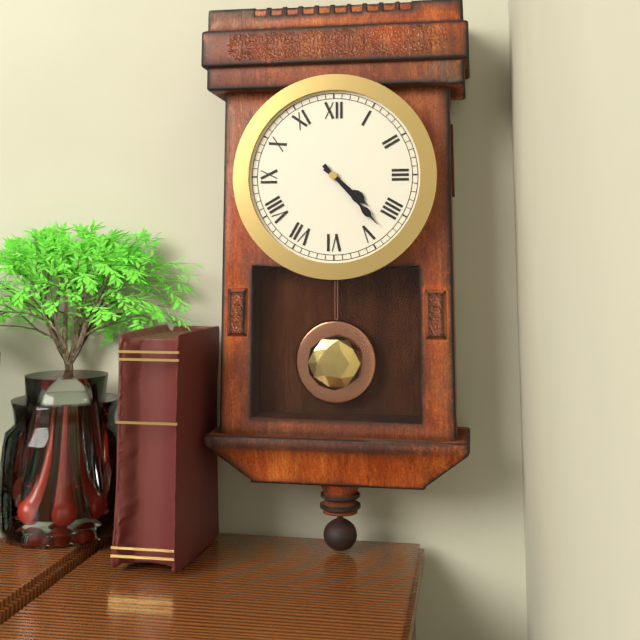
4:23
